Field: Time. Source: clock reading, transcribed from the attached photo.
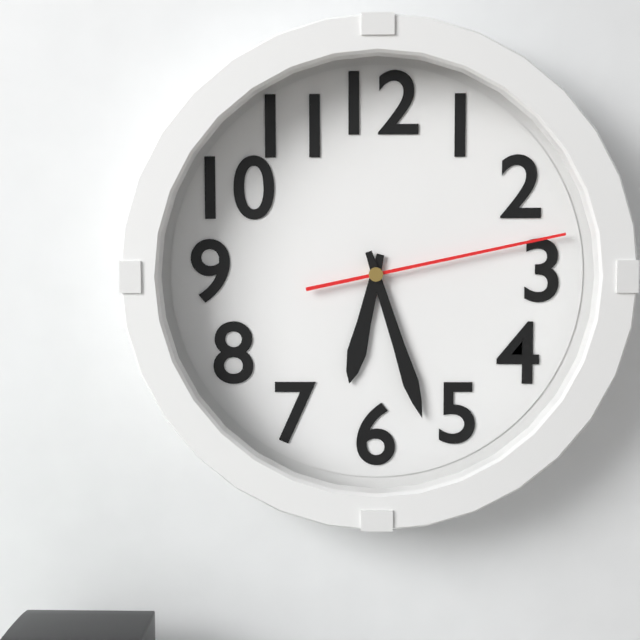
6:27:13
